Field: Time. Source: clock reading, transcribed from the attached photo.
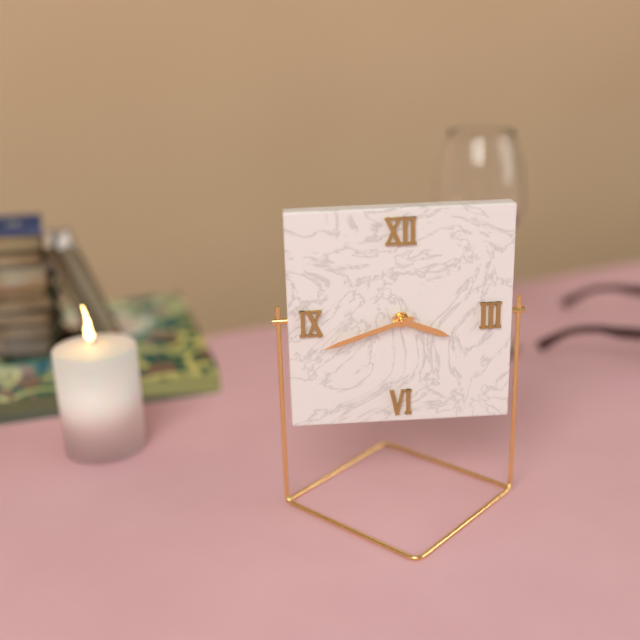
3:42
